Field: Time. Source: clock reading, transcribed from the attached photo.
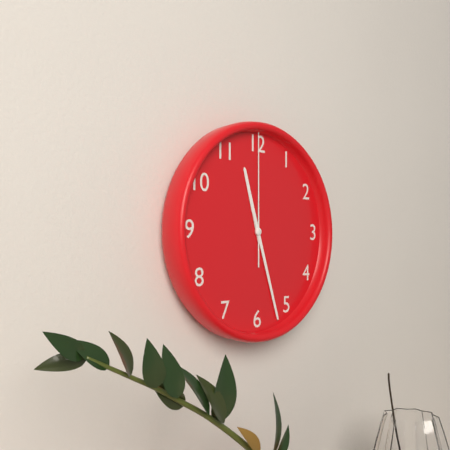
11:27:00
